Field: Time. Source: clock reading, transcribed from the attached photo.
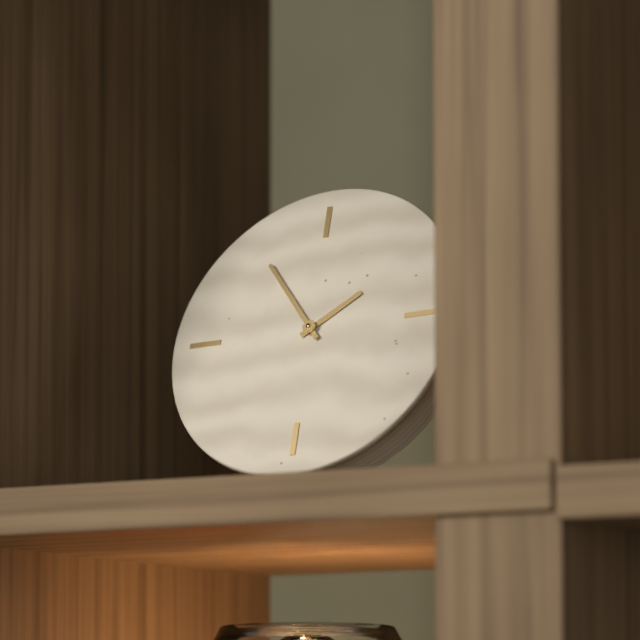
1:54
